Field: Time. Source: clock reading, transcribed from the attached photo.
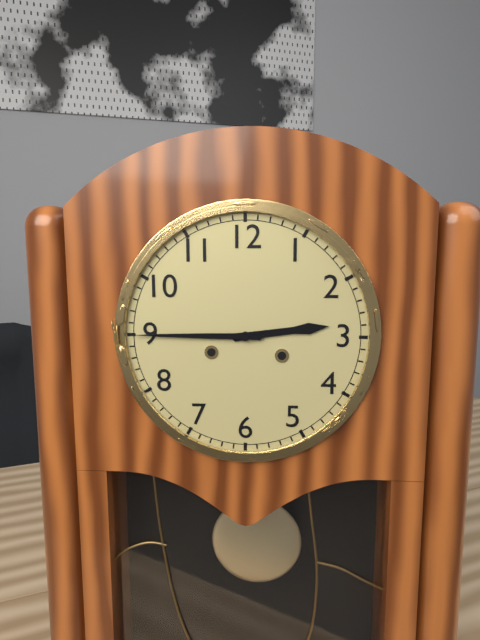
2:45
